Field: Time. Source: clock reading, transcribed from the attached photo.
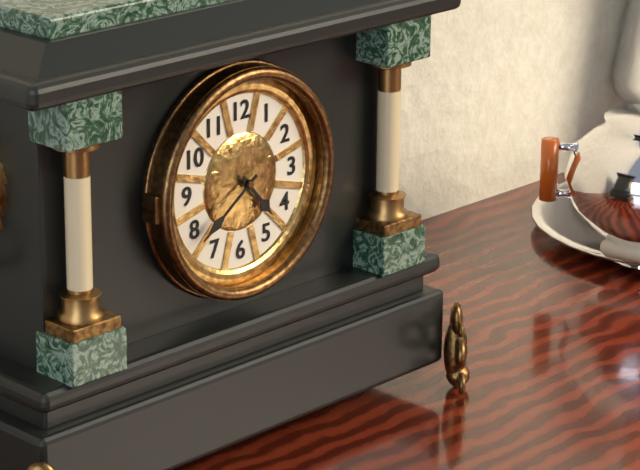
4:39
